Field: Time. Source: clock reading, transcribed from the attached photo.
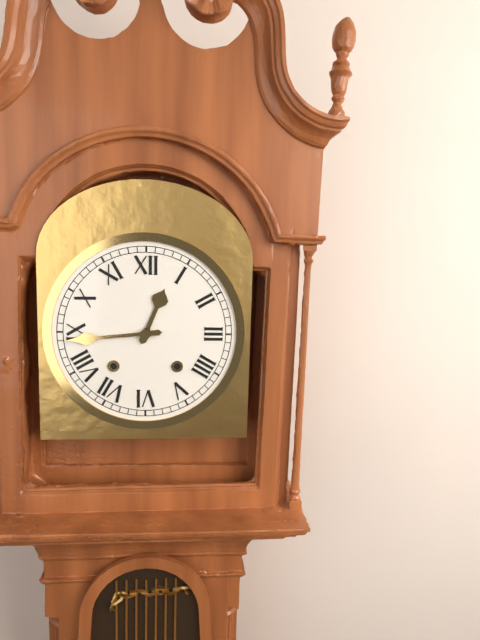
12:44
